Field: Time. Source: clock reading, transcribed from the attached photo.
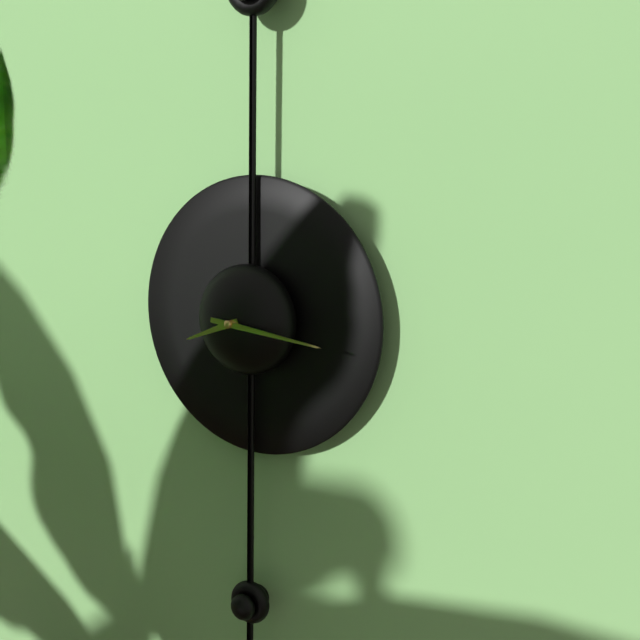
8:16
